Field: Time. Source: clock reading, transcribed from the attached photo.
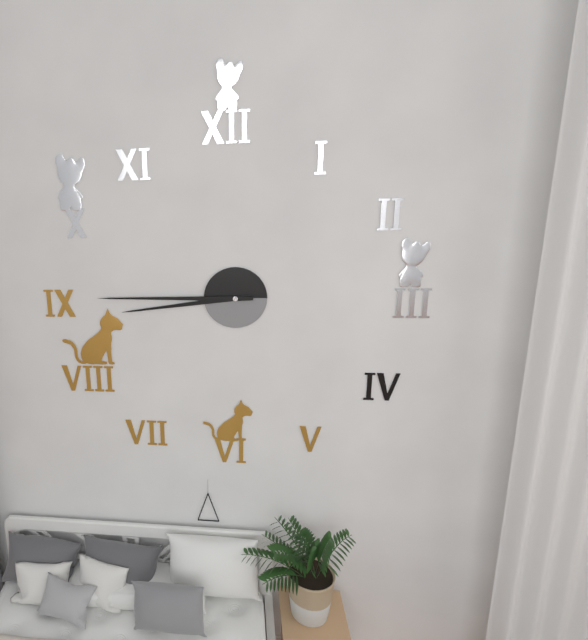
8:45
